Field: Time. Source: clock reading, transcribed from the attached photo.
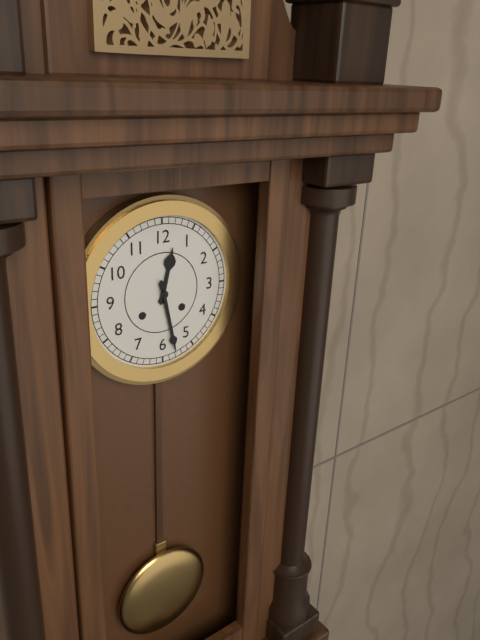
12:28
